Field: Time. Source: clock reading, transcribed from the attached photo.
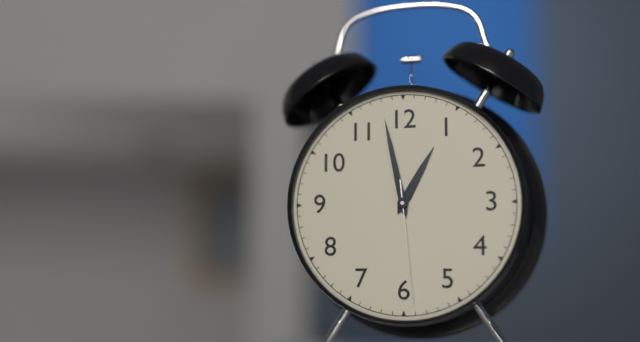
12:58:29
